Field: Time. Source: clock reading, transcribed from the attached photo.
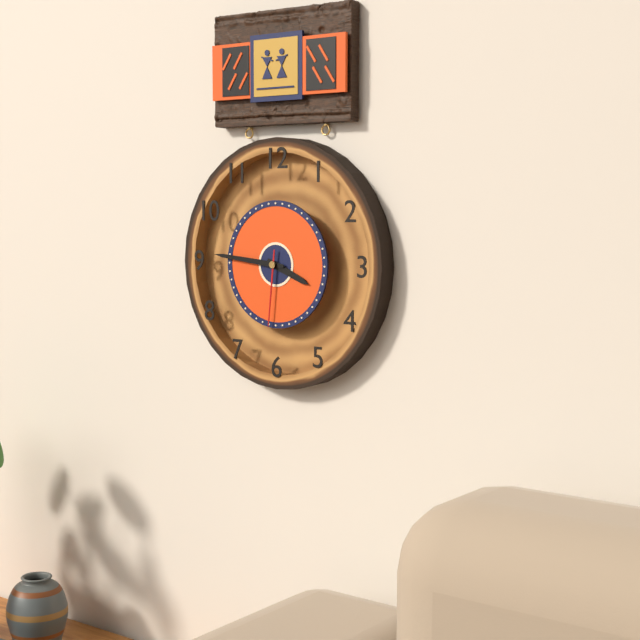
3:46:31
